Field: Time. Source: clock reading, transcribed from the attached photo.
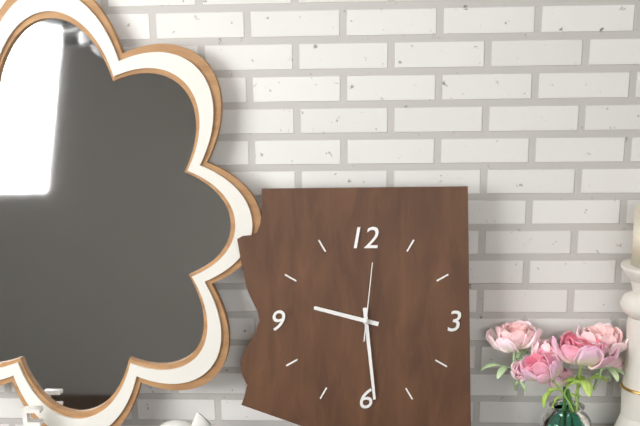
9:29:01
